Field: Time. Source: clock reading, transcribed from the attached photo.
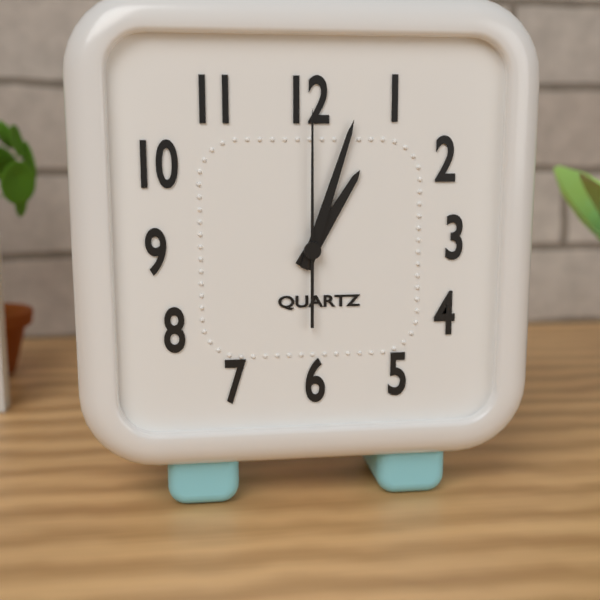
1:03:00
